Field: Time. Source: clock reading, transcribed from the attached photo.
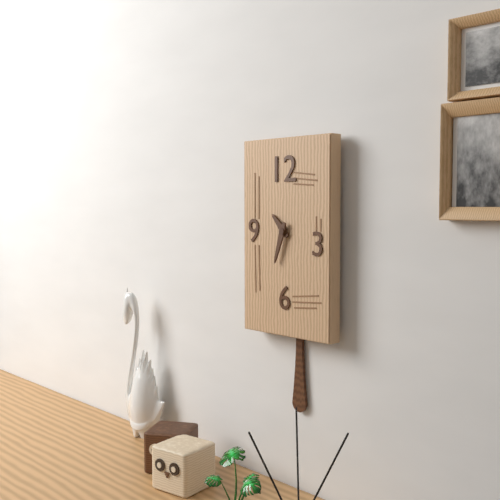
10:33
